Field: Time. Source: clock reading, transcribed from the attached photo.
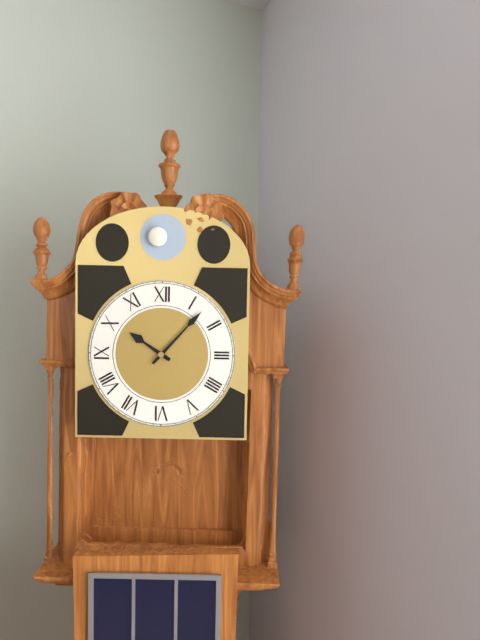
10:07
